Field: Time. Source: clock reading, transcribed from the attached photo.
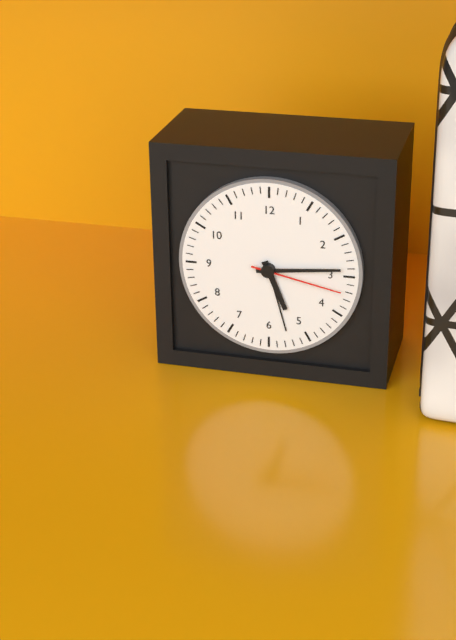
5:14:17
